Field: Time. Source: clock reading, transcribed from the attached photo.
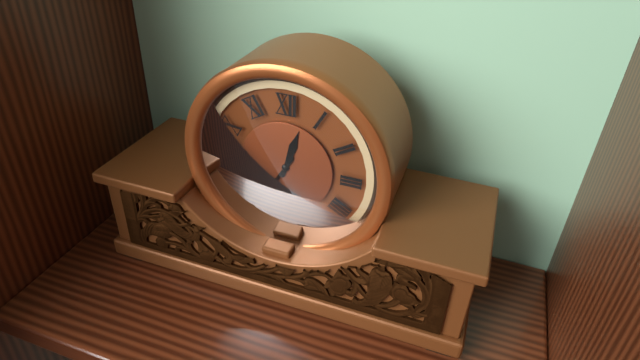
12:35
